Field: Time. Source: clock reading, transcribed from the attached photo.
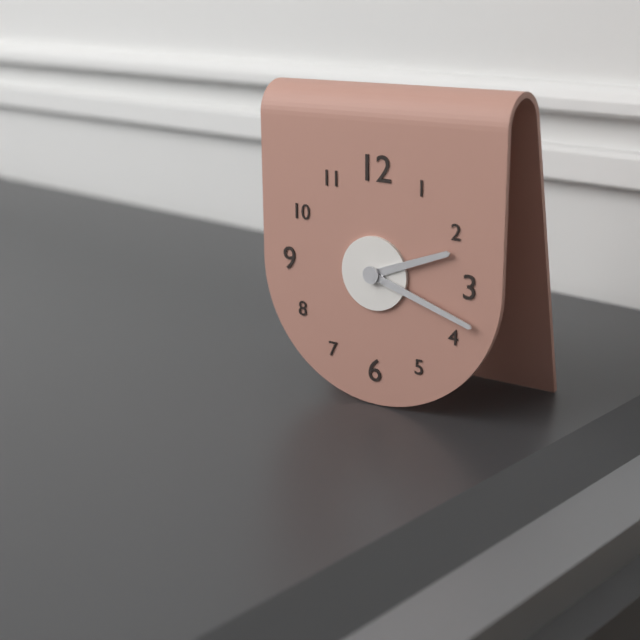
2:18
